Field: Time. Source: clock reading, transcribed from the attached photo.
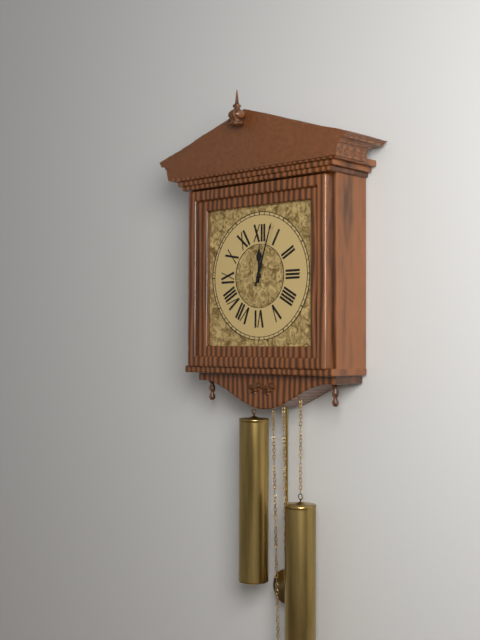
12:03
